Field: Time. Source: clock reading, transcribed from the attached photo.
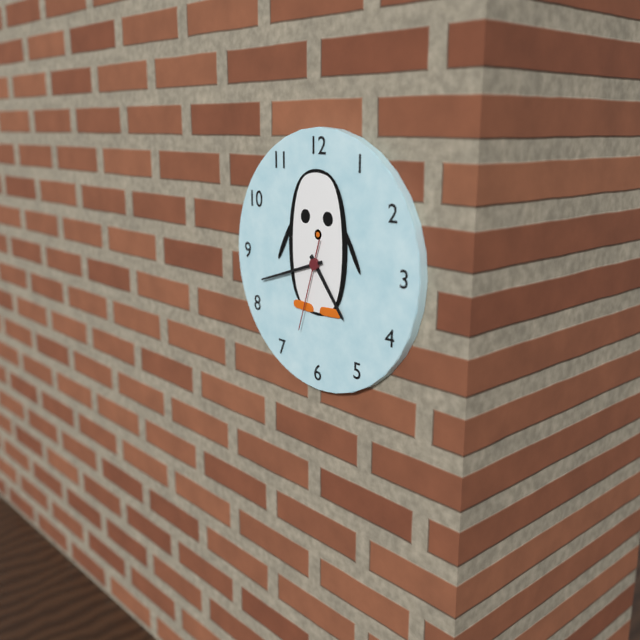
4:42:33
